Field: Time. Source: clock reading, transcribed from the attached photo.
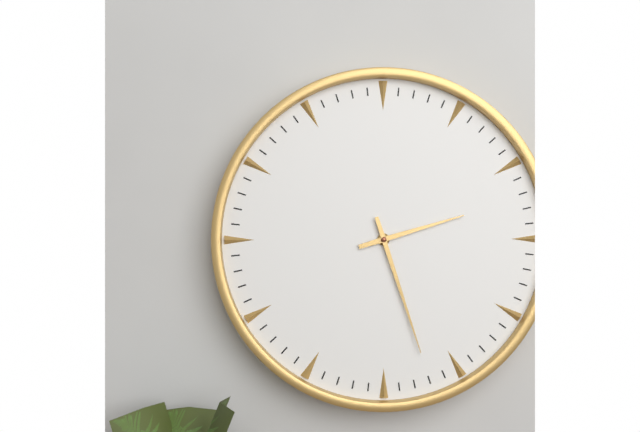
2:27
